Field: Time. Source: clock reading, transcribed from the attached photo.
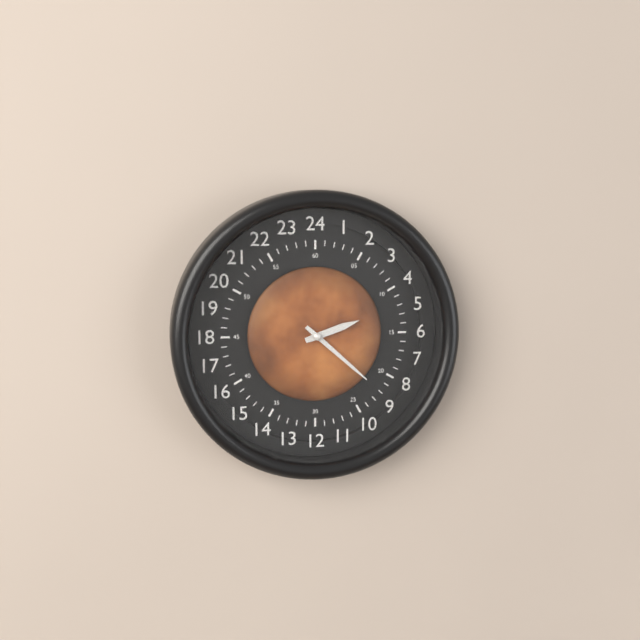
2:22
